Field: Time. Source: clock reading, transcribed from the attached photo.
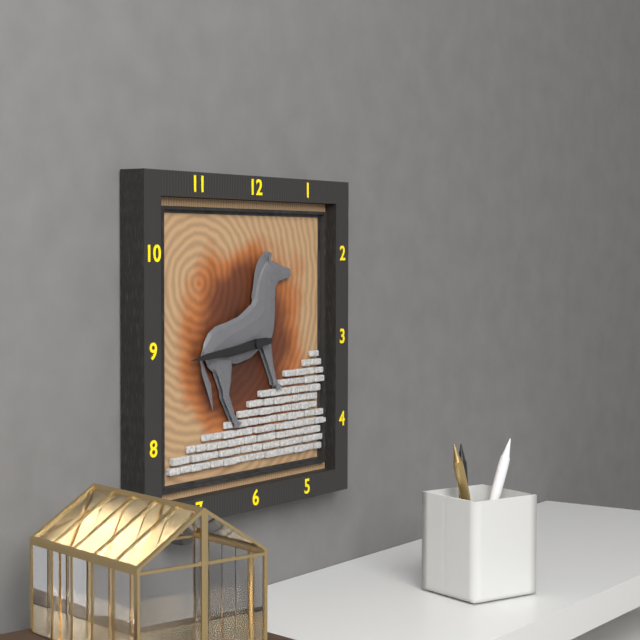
8:44
